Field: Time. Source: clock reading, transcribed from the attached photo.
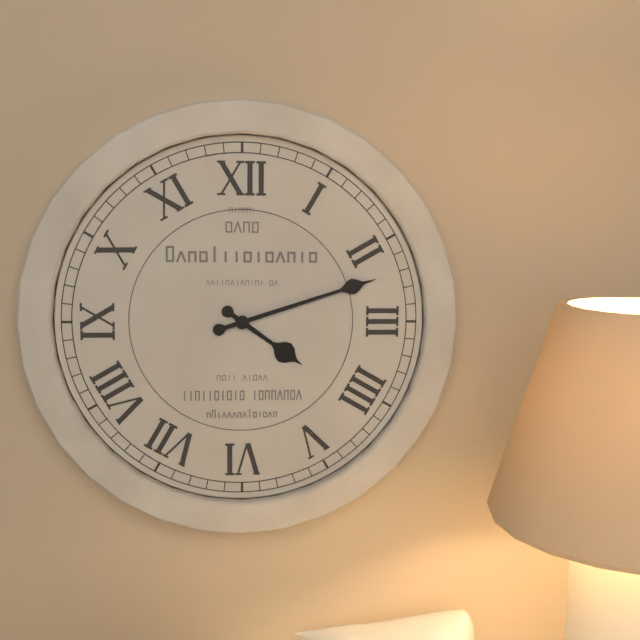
4:12
